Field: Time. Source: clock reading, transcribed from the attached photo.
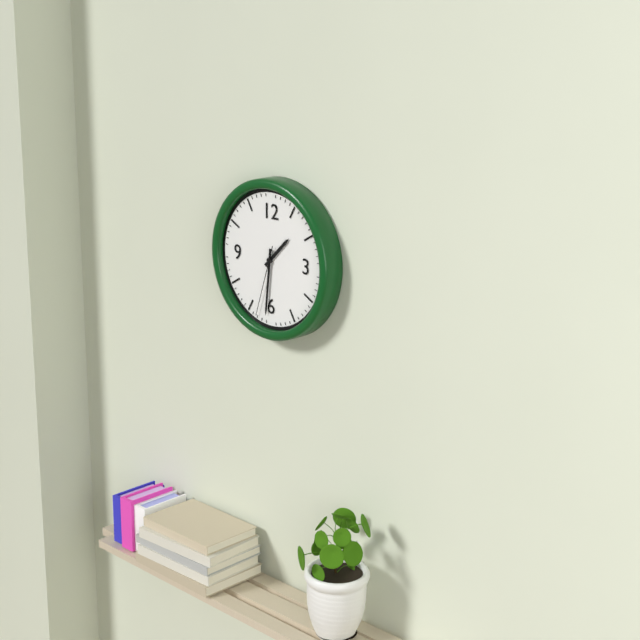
1:31:33
